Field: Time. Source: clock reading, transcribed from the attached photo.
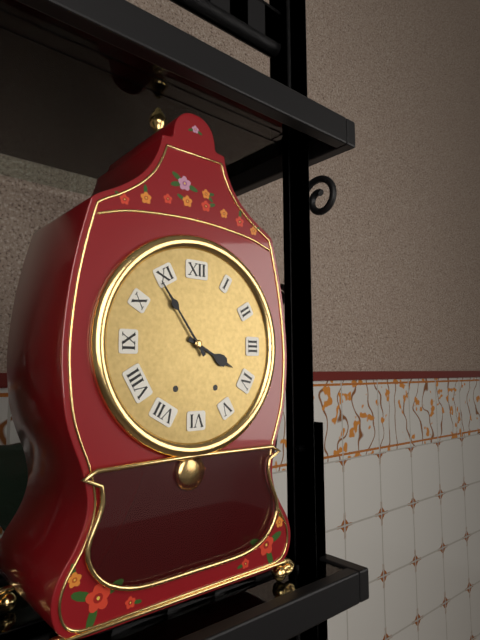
3:54
